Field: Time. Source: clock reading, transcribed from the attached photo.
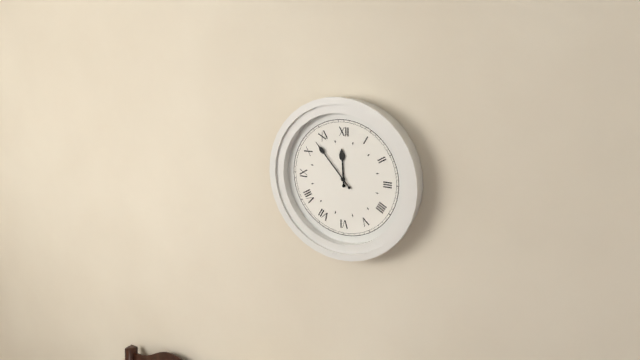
11:53
